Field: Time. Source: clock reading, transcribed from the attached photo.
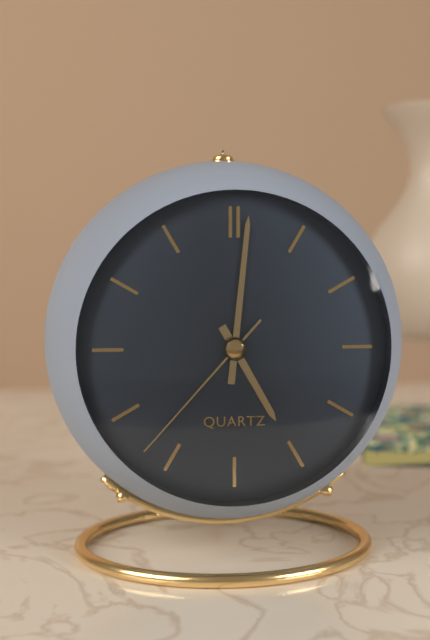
5:01:37
